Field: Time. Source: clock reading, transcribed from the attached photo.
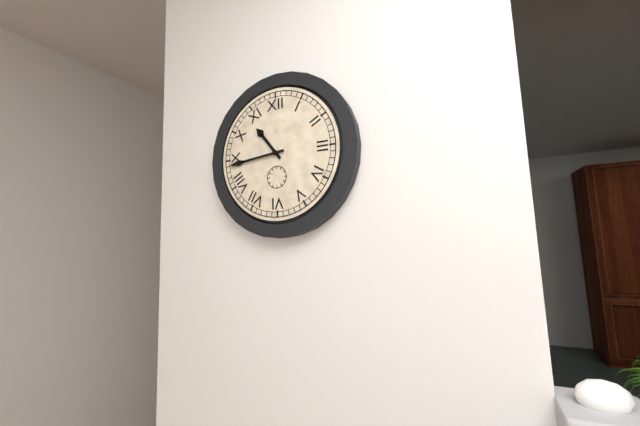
10:44
